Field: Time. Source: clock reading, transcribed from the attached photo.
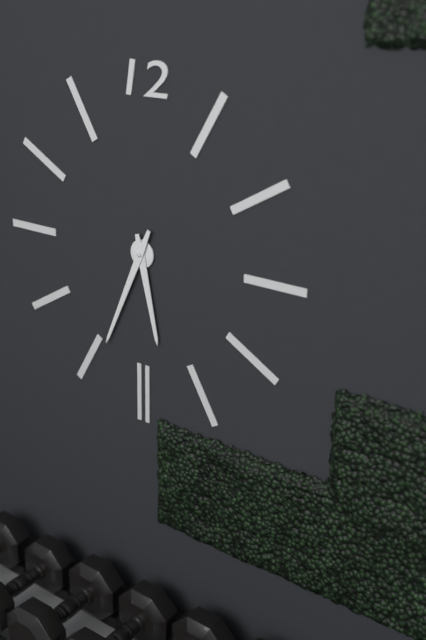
5:34
